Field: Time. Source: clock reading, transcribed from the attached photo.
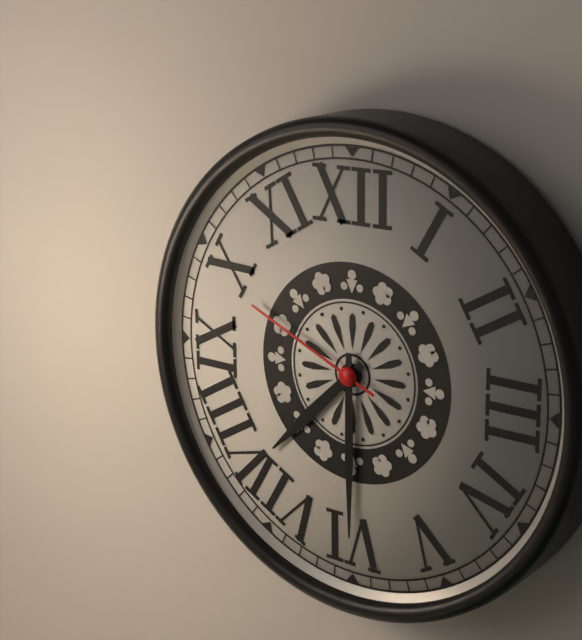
7:30:49
